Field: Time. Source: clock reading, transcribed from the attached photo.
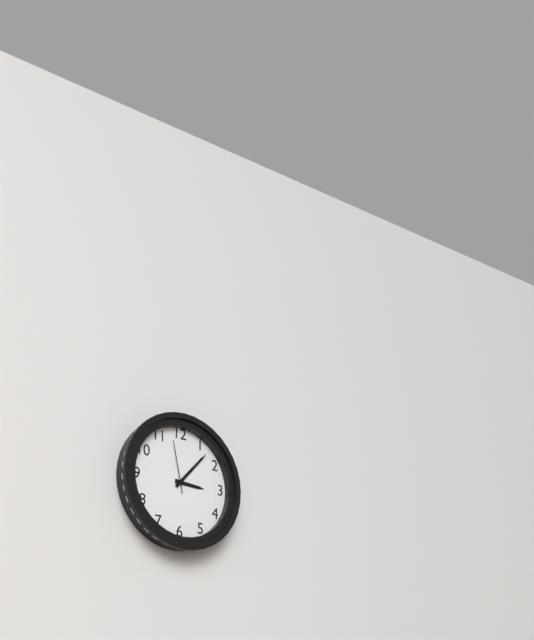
3:07:58
